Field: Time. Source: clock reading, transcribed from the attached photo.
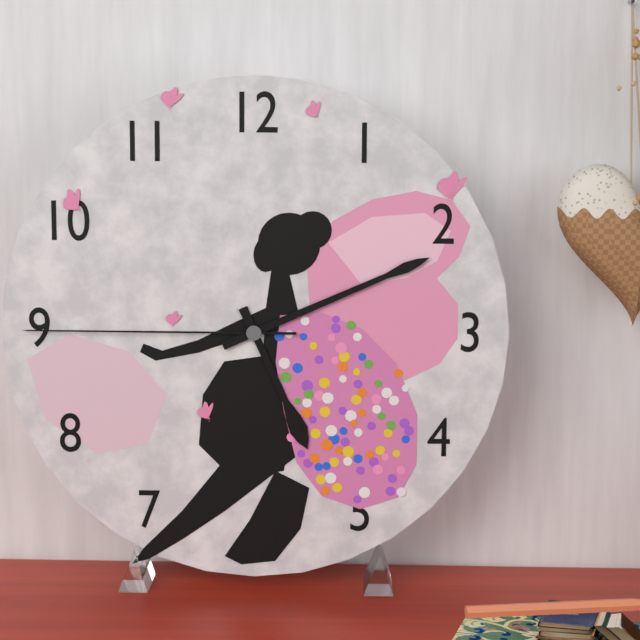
5:11:45
